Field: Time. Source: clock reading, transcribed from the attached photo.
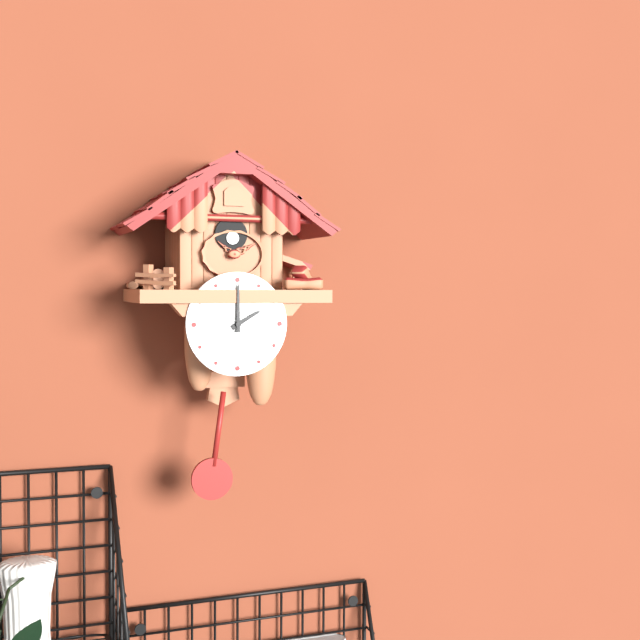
2:00
